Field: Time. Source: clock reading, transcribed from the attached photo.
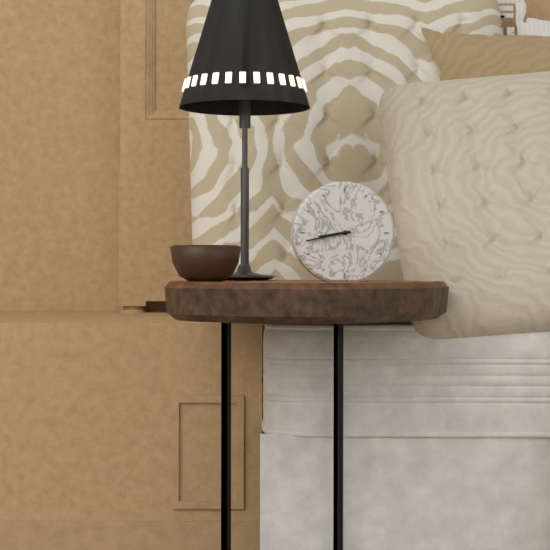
8:43
